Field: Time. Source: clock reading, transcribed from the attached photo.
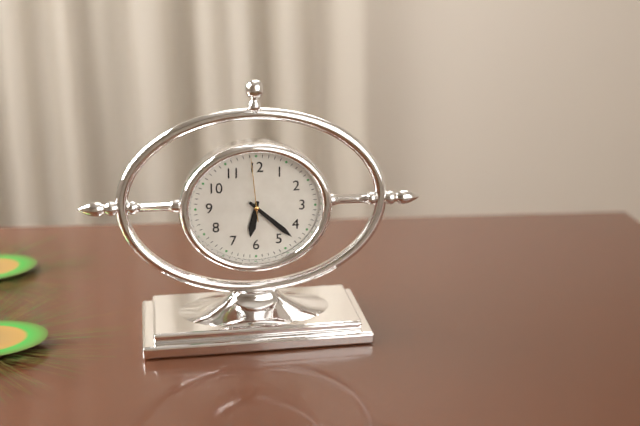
6:22:59
